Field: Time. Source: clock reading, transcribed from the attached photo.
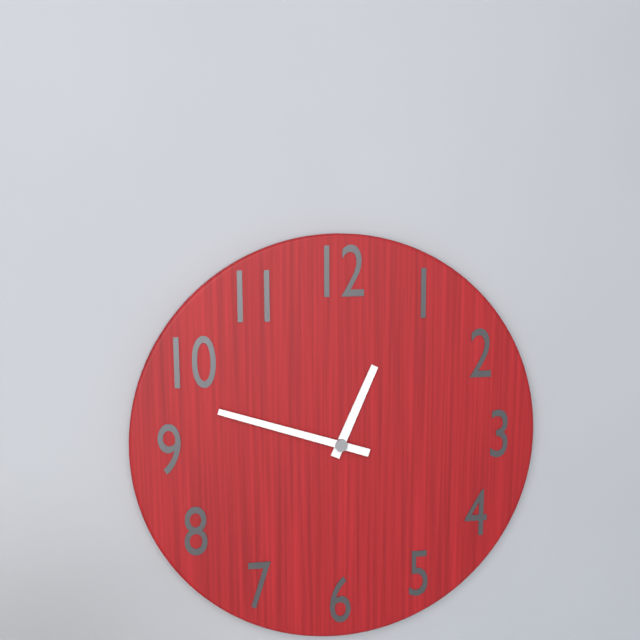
12:48
